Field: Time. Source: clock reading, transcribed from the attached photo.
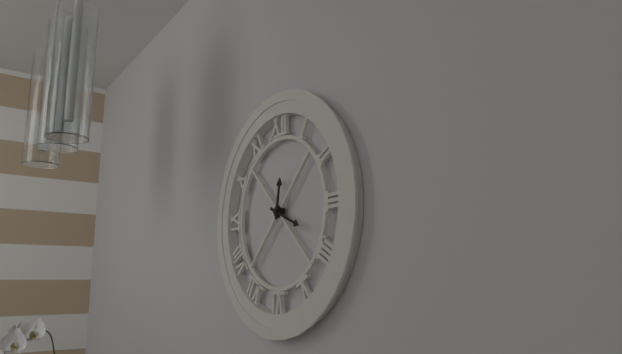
12:19
